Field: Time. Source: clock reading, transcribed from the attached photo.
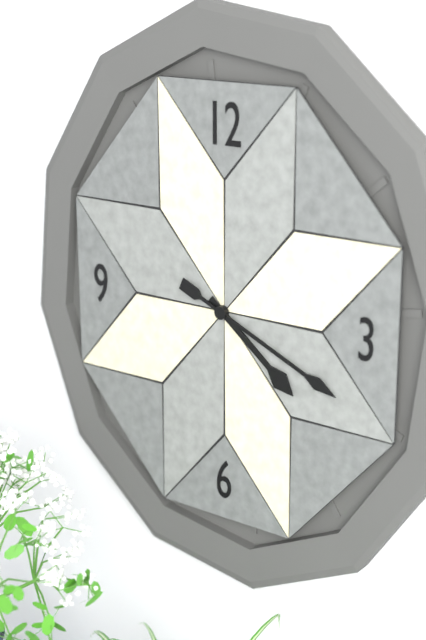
4:19
